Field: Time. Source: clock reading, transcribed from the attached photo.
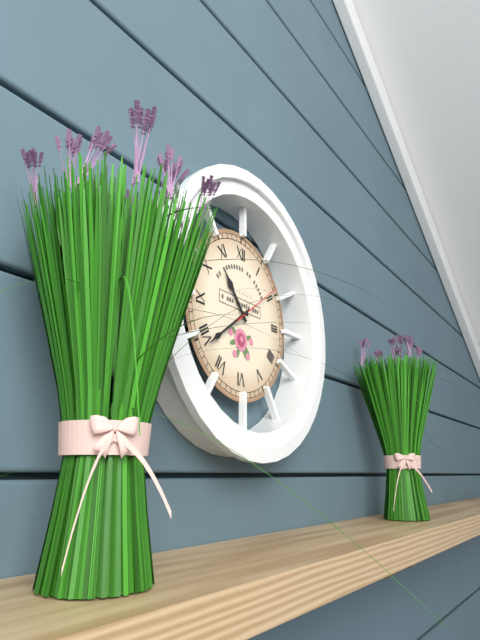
10:39
